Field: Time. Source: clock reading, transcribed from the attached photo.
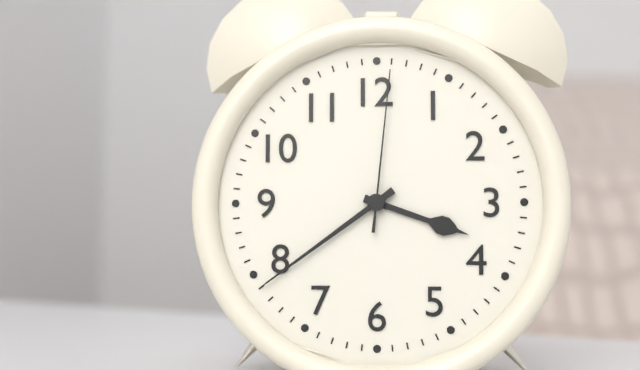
3:39:01
